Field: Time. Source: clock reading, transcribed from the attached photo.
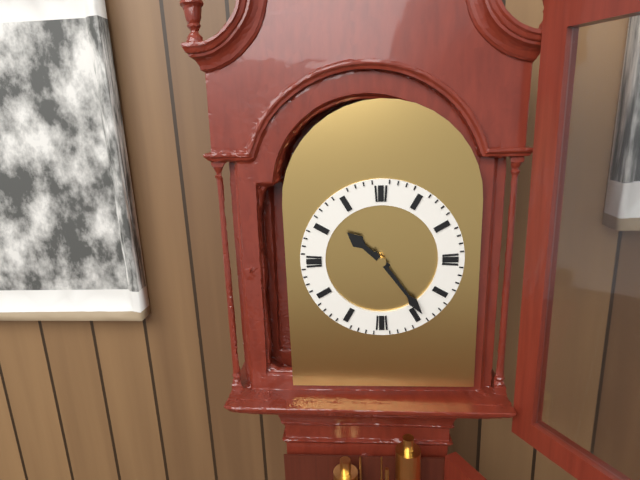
10:24
